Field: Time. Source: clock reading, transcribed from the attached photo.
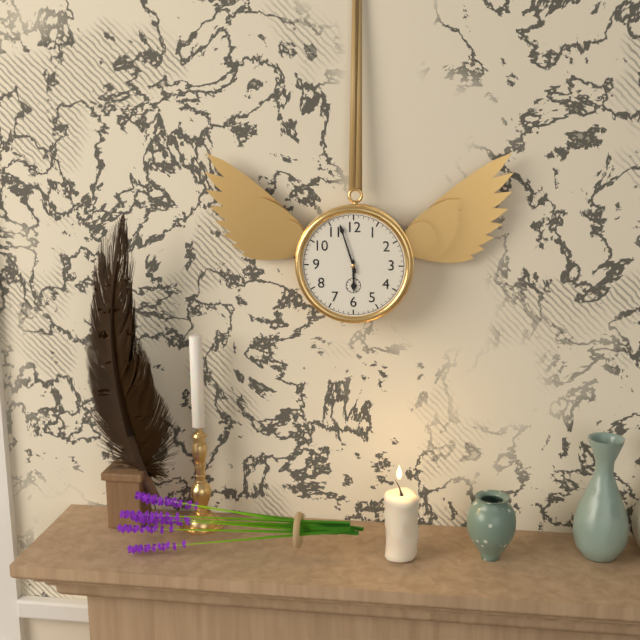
5:57
